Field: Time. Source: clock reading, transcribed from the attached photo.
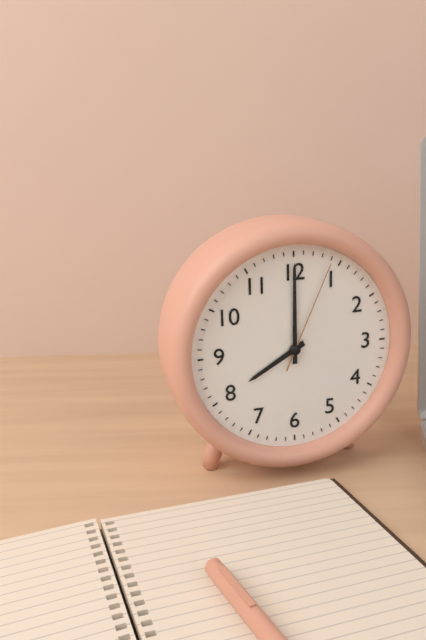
8:00:04
